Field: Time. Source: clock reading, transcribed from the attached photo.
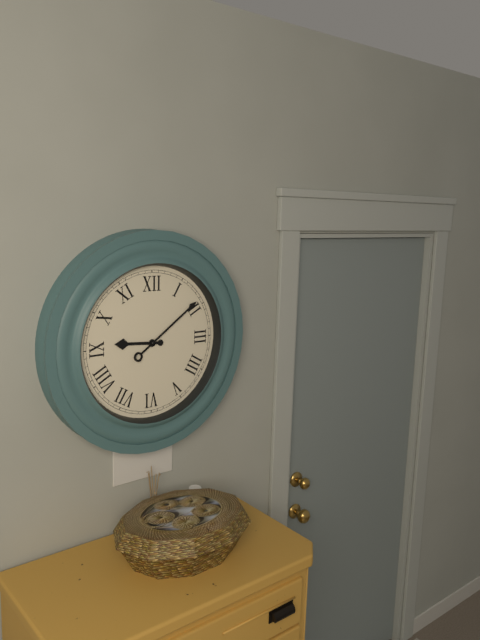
9:09
